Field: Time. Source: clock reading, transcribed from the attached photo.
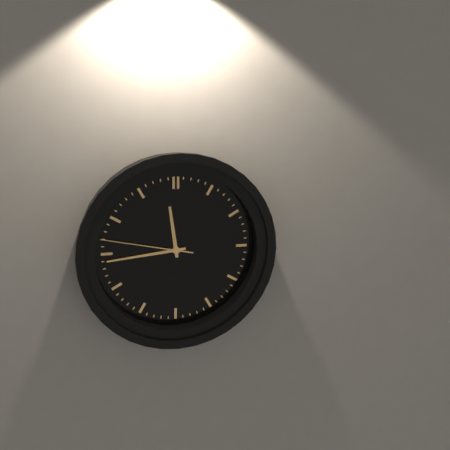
11:44:47
